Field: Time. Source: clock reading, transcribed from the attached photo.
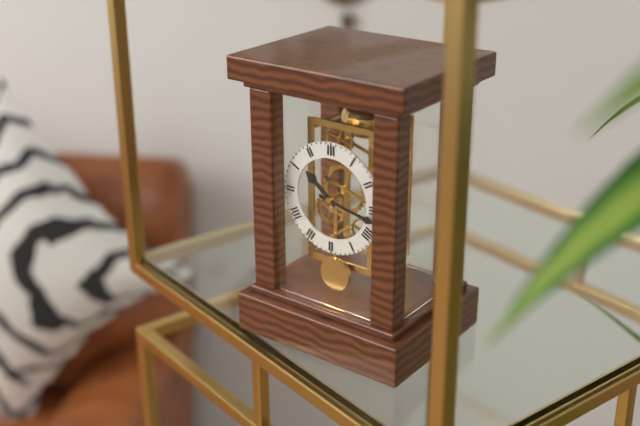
10:17
